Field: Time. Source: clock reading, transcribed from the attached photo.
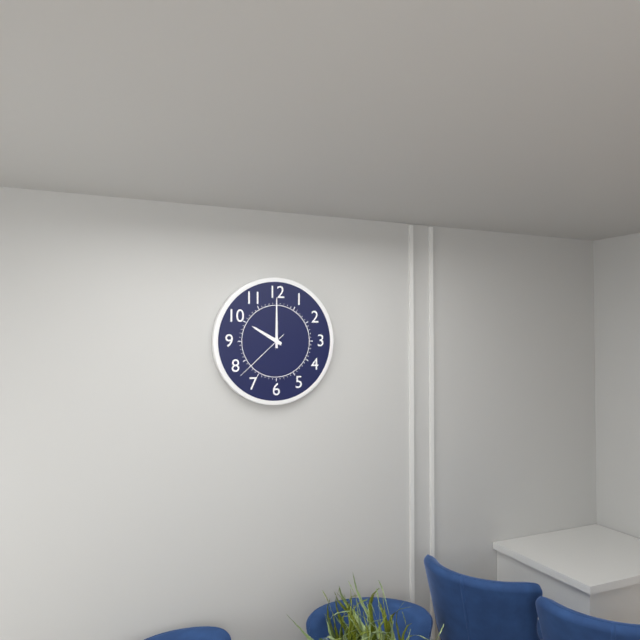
10:00:38
